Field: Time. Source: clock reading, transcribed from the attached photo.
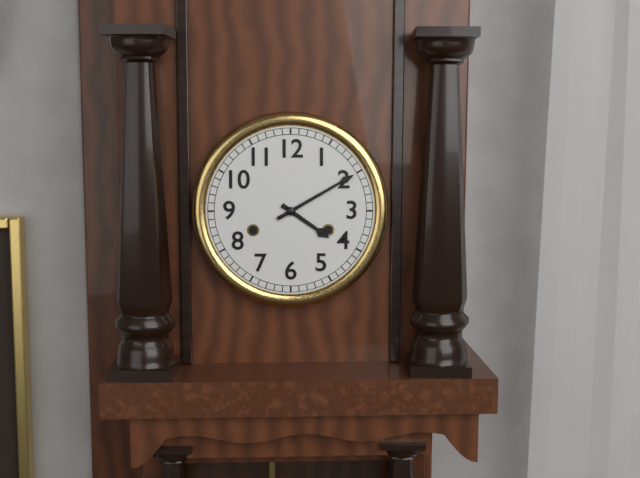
4:10
